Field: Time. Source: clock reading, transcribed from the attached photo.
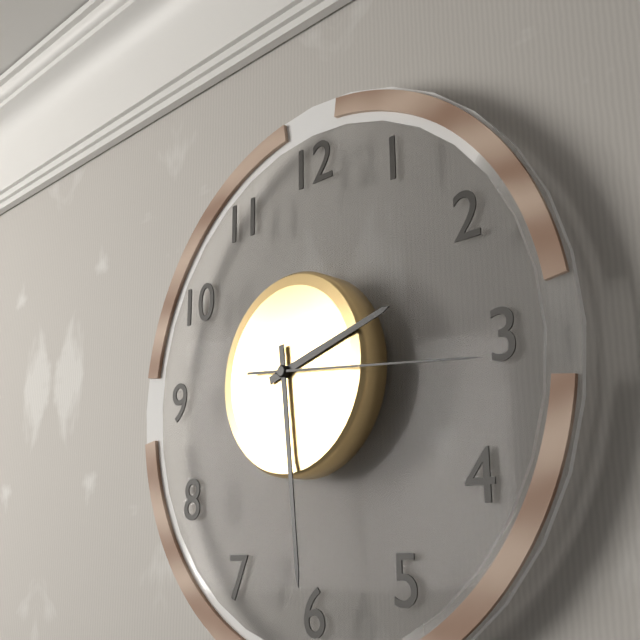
2:29:16
